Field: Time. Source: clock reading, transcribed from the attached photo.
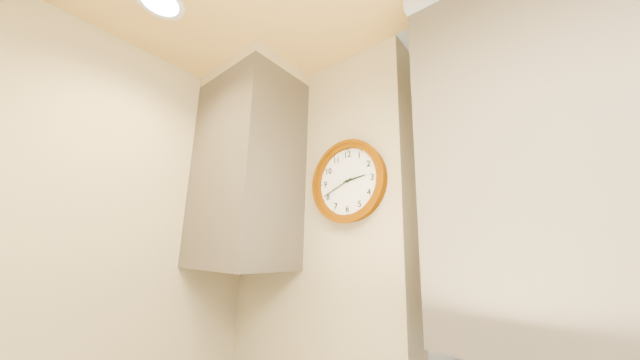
2:41
